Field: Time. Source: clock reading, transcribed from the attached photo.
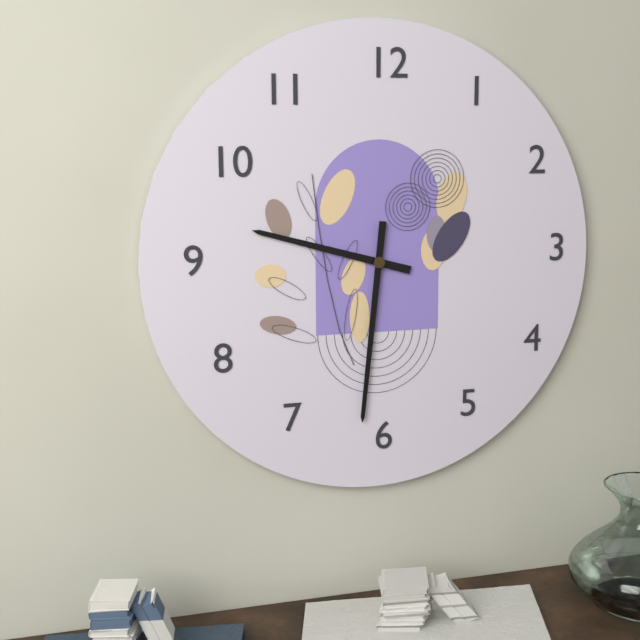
9:31
